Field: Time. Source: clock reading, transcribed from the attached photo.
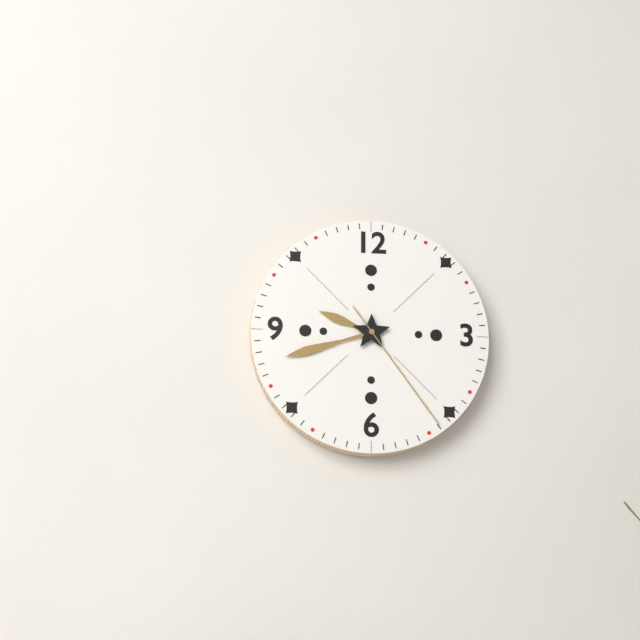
9:42:24
